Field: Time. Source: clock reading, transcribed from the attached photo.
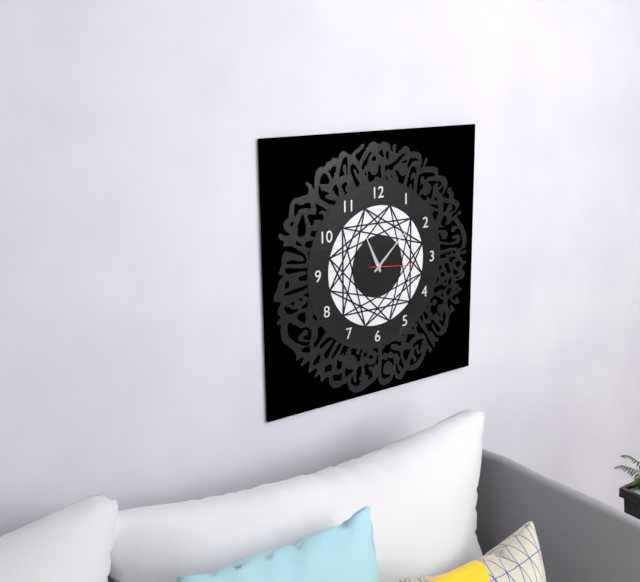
11:08
